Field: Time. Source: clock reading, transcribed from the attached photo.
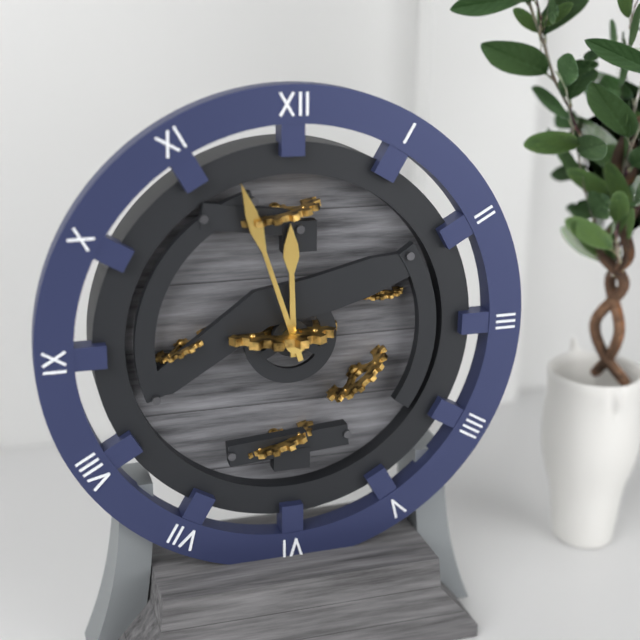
11:57
